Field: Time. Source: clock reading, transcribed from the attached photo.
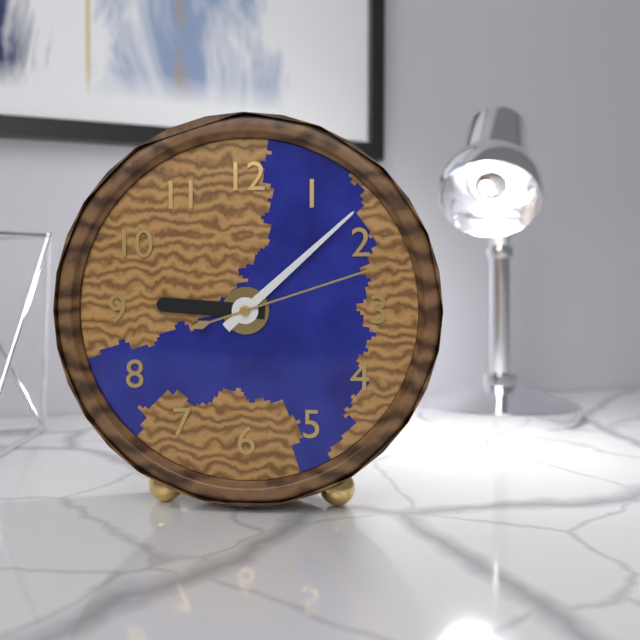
9:08:12
